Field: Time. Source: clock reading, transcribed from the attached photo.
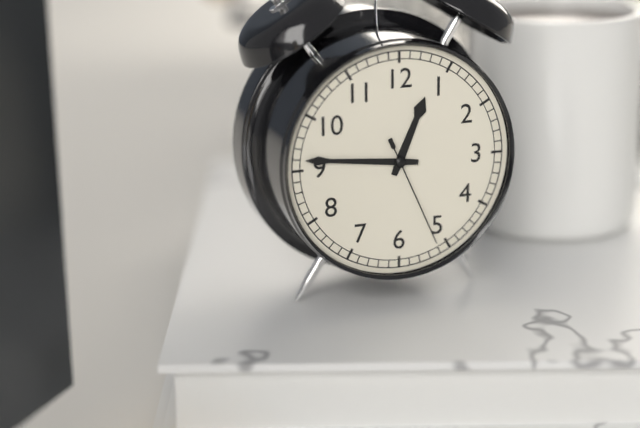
12:46:26
